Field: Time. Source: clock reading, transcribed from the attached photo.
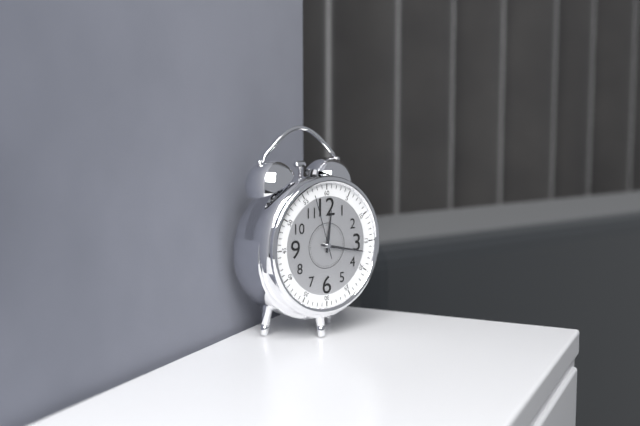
12:17:57
